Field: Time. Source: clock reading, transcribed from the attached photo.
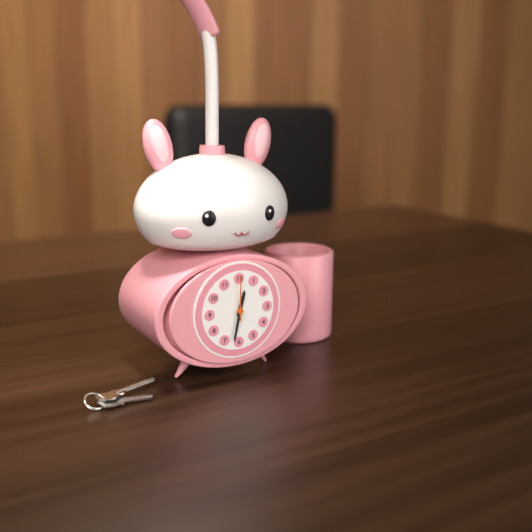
12:32
